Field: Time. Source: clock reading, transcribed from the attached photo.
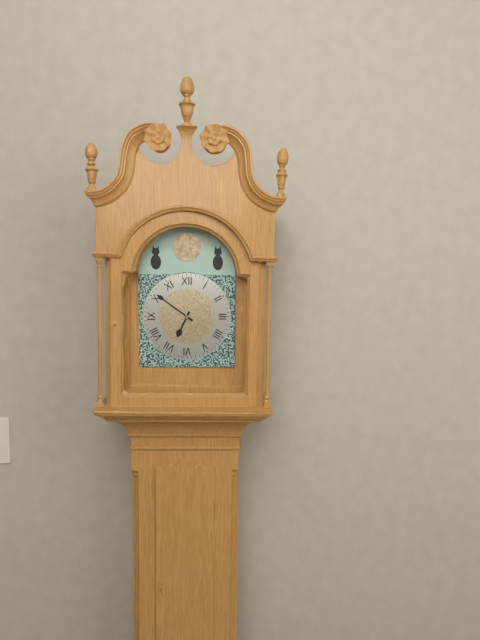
6:51
